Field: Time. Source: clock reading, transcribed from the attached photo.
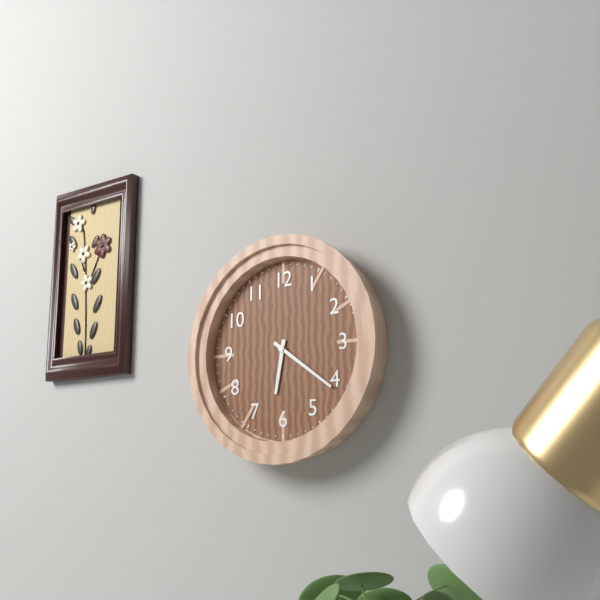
6:21
